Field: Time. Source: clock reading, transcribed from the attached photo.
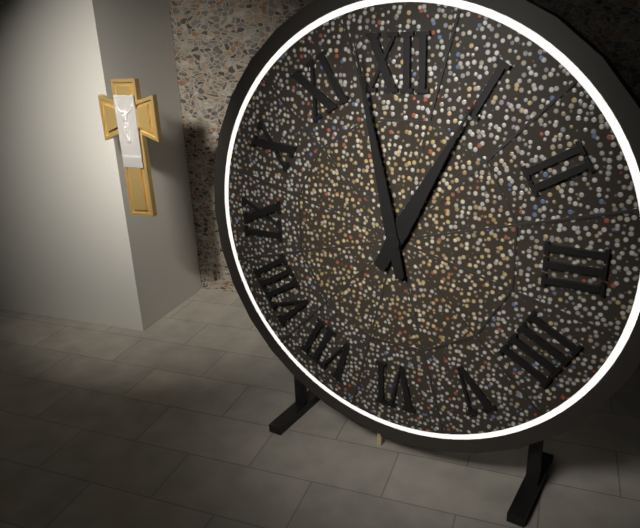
12:58
